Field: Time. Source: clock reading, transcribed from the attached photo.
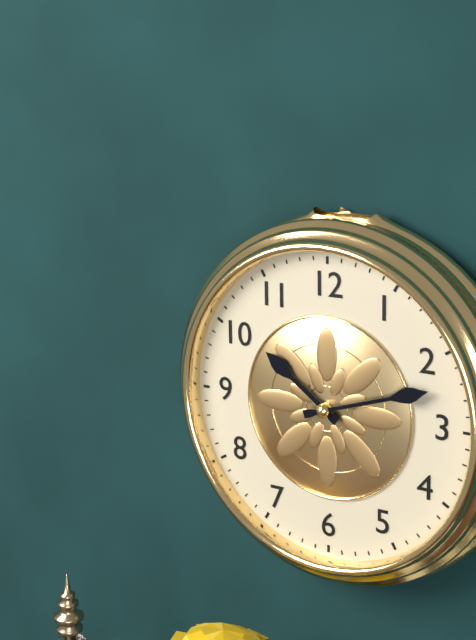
10:12
